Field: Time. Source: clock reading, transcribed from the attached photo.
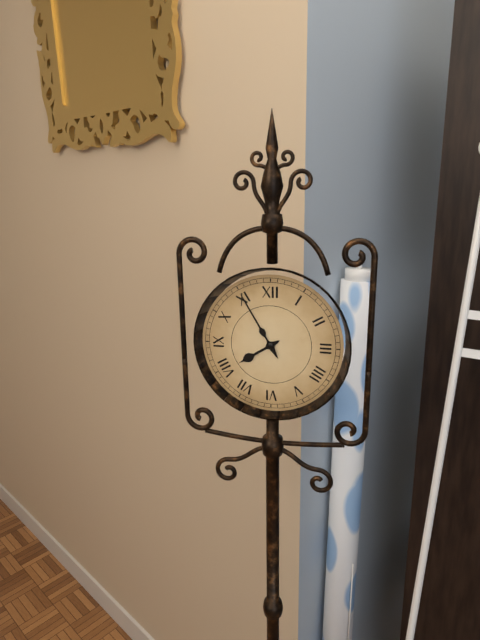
7:55
